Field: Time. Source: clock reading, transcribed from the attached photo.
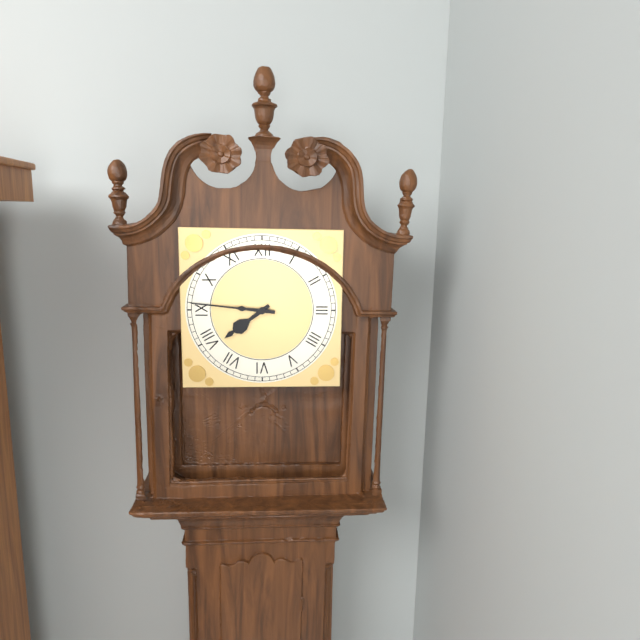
7:46
